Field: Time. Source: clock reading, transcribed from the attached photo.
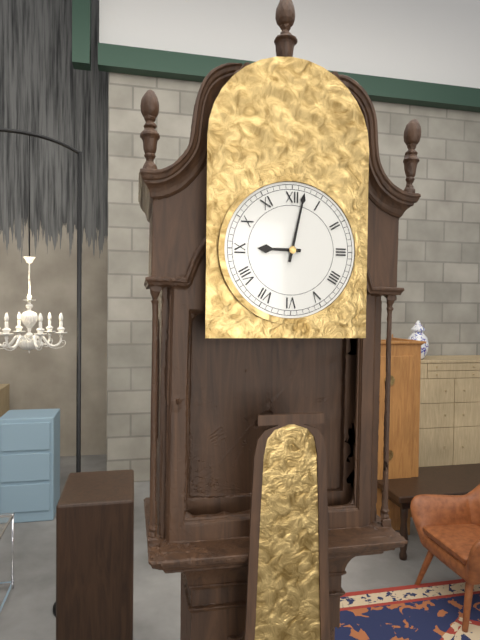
9:02
